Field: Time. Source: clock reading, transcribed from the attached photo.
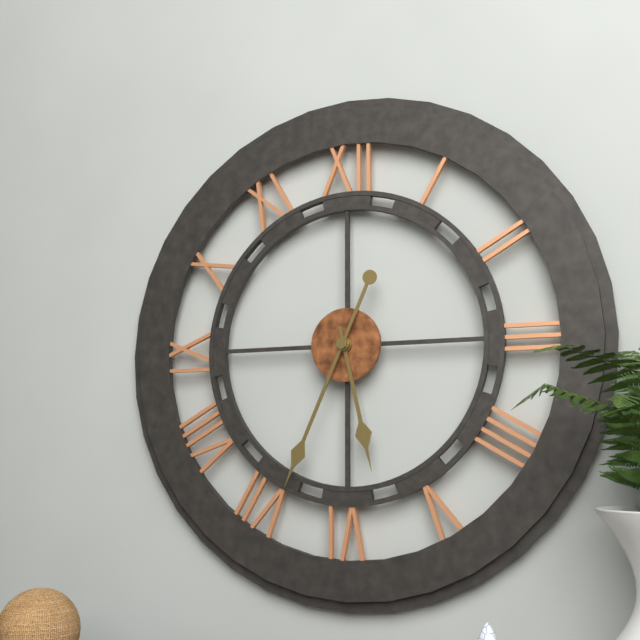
5:34
